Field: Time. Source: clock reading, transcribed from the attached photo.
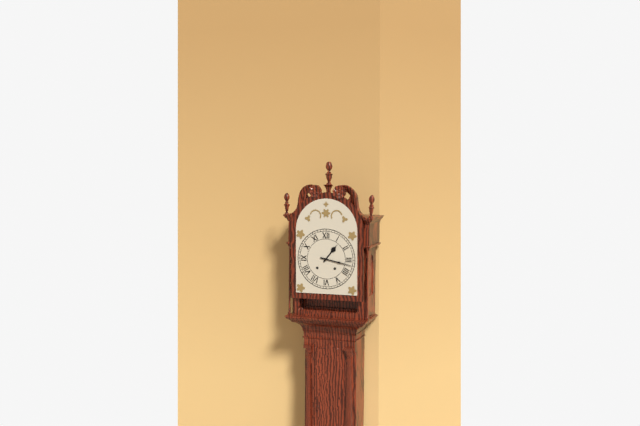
1:17
